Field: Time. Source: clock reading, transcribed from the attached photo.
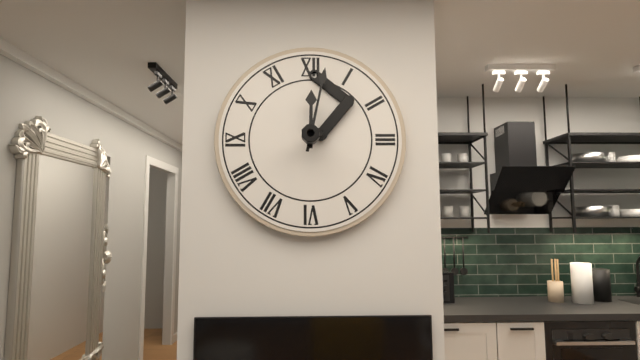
12:02
